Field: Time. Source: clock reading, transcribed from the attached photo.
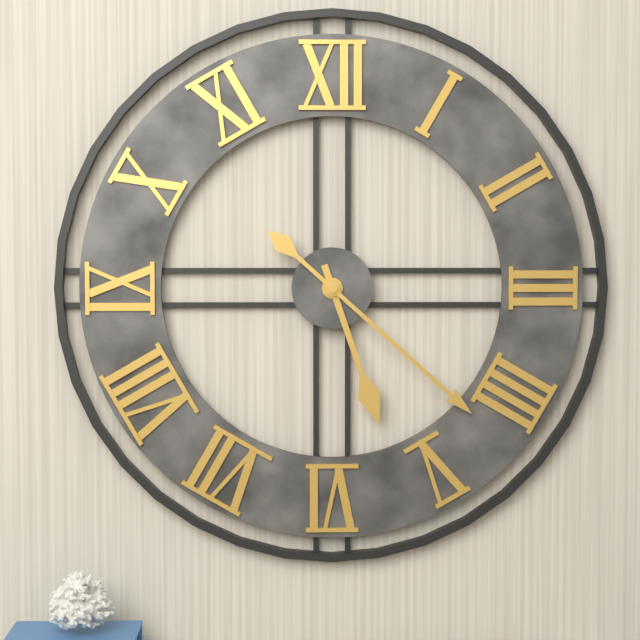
5:22
